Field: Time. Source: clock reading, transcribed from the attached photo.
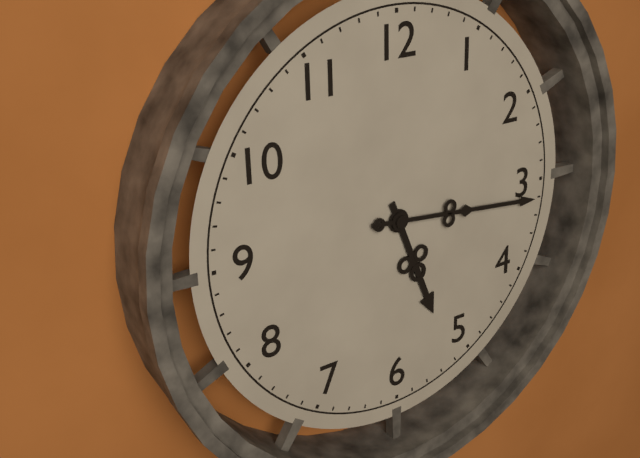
5:16
